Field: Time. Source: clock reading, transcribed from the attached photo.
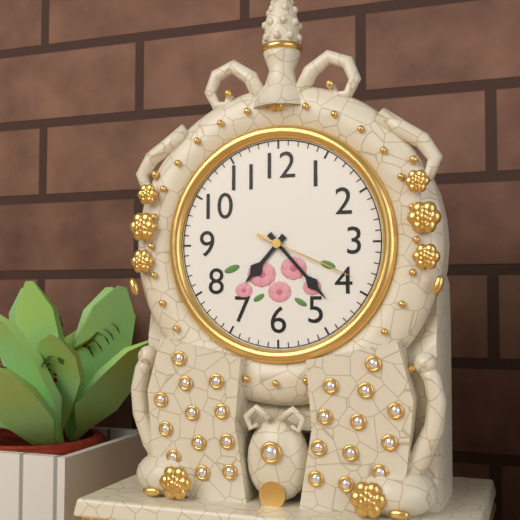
7:23:19
